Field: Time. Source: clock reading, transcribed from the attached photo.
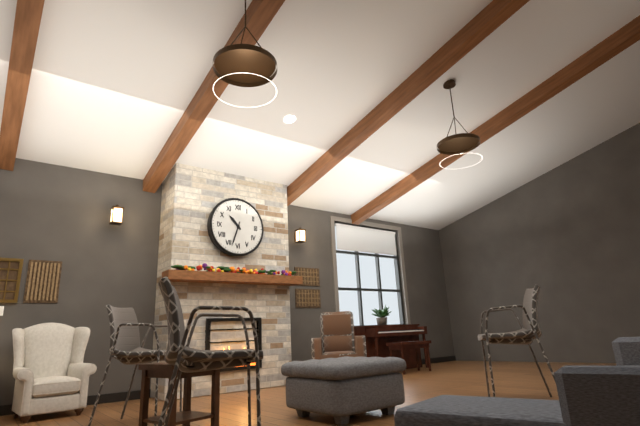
10:33
